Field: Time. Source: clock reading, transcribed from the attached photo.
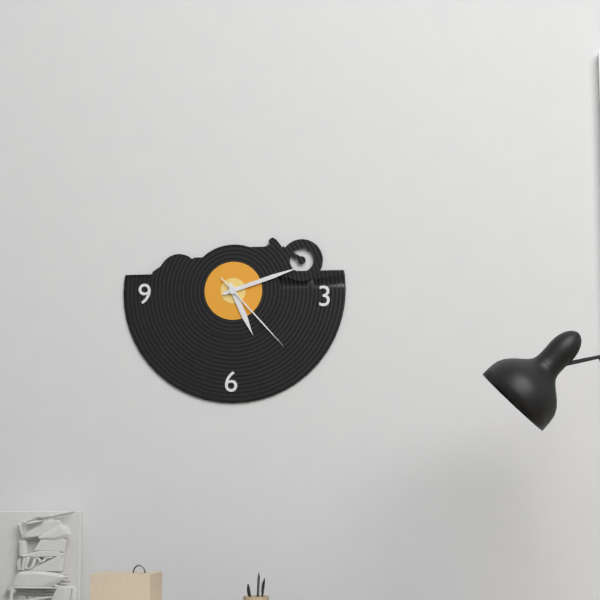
5:12:23
